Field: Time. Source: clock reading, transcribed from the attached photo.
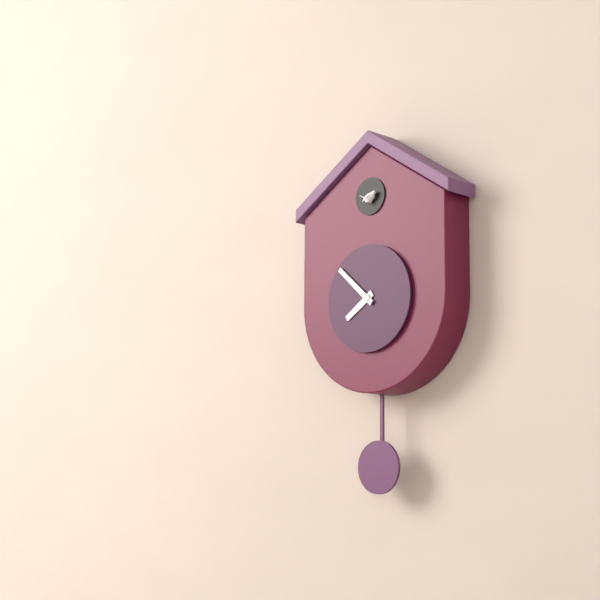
7:52
